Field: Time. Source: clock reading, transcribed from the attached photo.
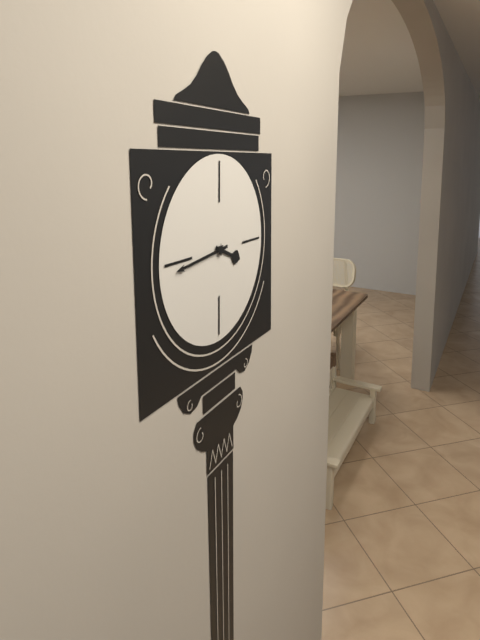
3:44
